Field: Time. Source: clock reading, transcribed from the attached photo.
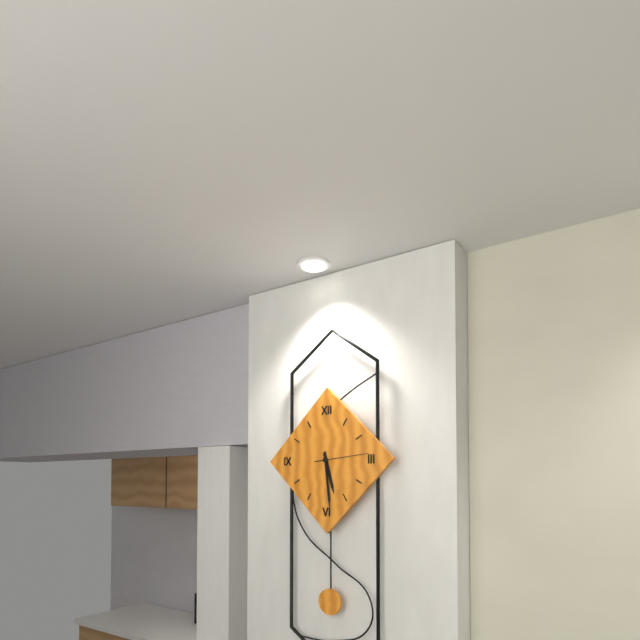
5:29:14
